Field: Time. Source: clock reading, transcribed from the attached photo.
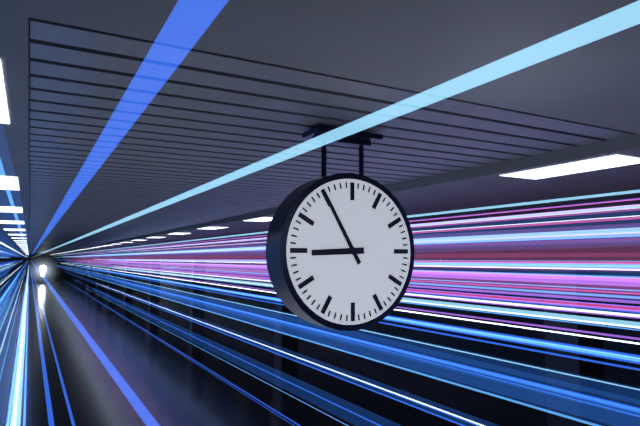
8:55
